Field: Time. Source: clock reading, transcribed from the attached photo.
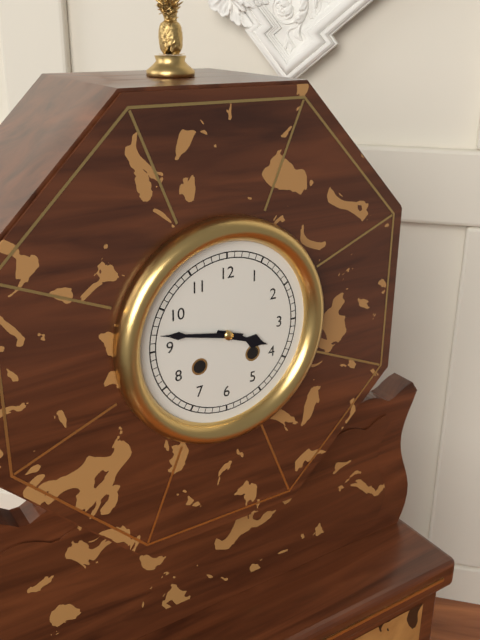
3:47
